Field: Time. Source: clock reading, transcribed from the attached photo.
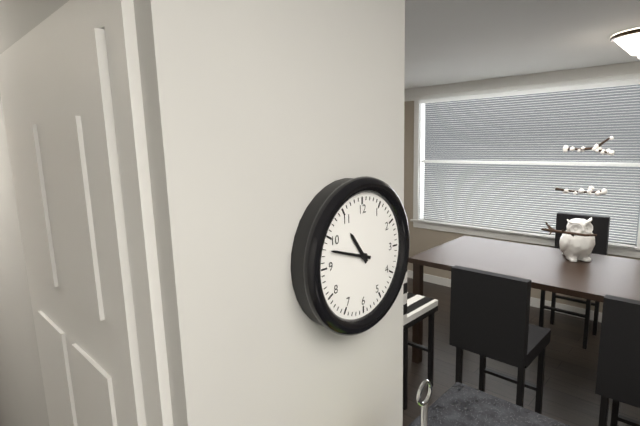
10:48
